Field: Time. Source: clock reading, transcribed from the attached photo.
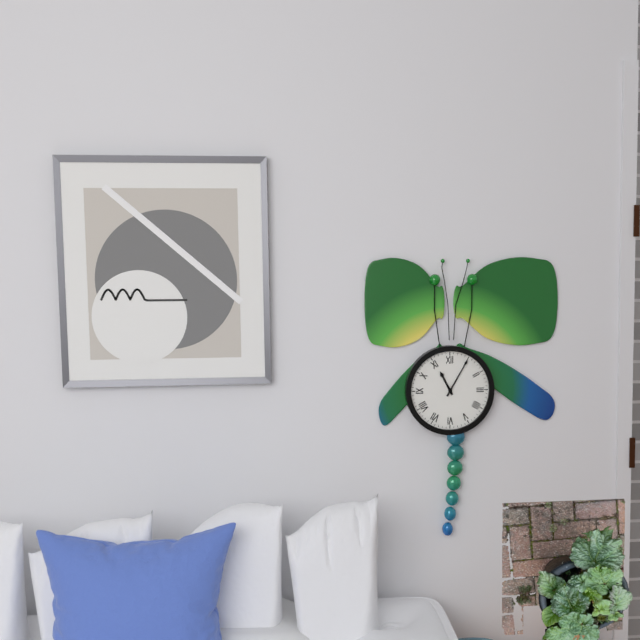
11:05
